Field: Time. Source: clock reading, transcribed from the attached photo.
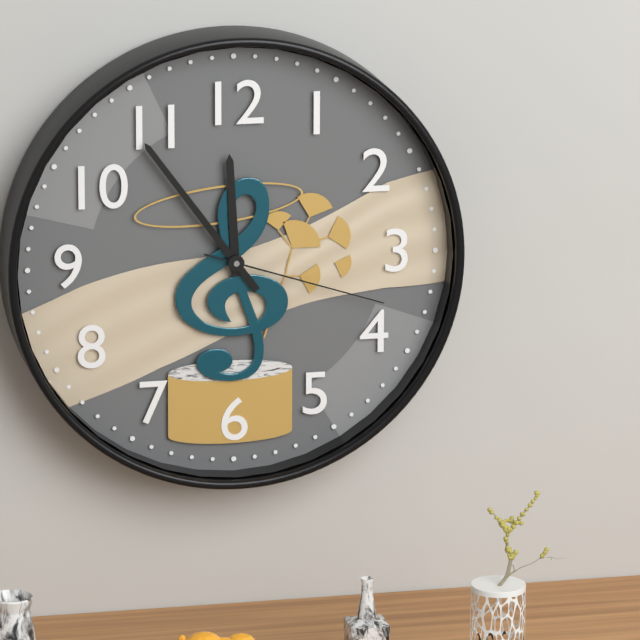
11:54:18
